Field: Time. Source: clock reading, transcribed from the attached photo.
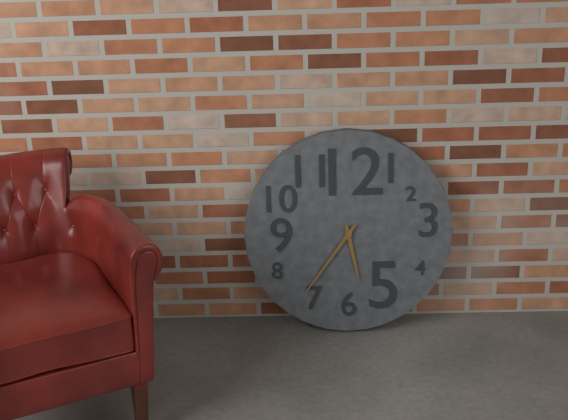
5:36
